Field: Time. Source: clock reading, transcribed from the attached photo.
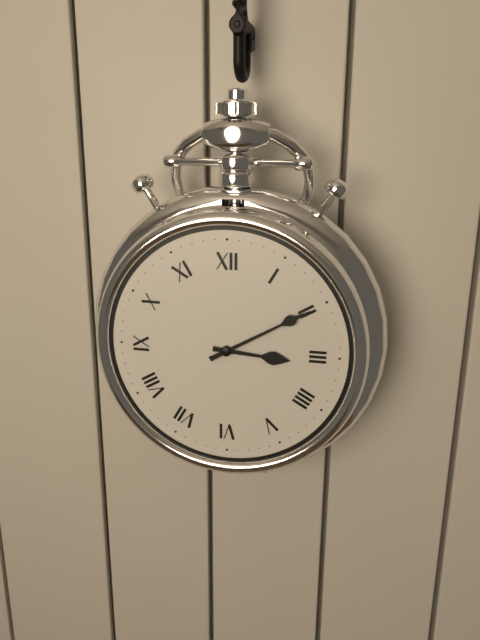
3:10
